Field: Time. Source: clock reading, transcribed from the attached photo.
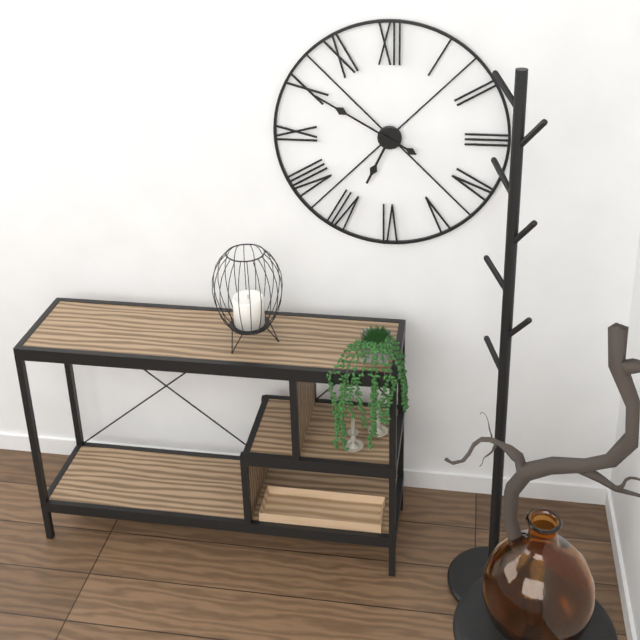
6:50
